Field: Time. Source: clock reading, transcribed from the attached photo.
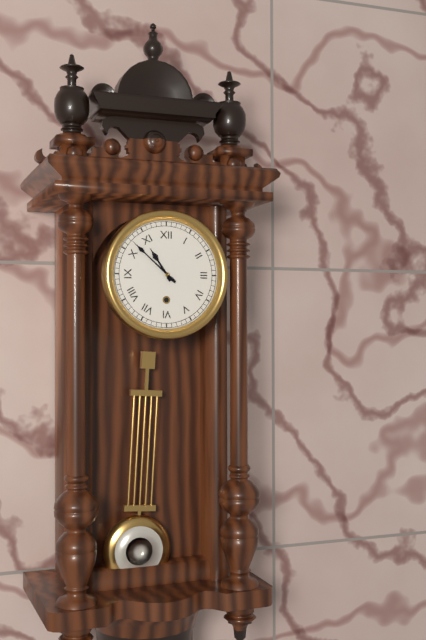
10:52
